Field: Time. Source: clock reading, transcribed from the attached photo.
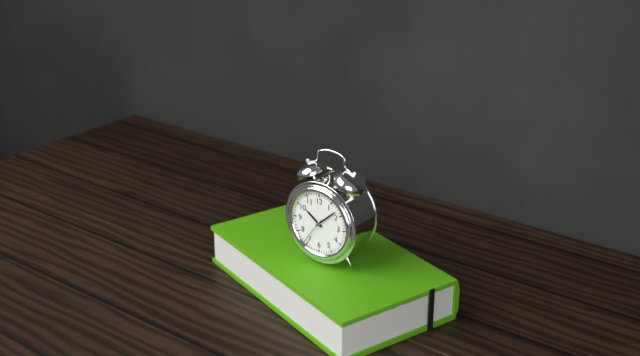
10:08
